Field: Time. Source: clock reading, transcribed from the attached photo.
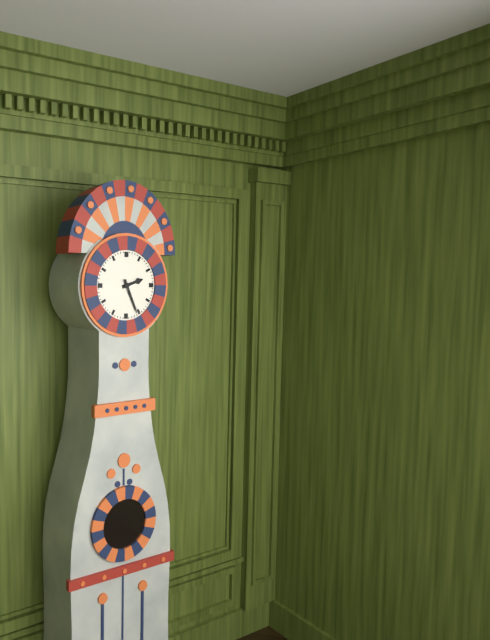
2:26
